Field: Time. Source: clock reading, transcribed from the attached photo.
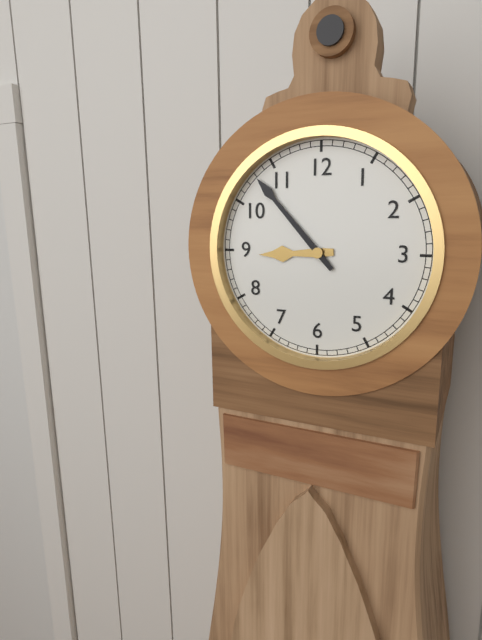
8:53
